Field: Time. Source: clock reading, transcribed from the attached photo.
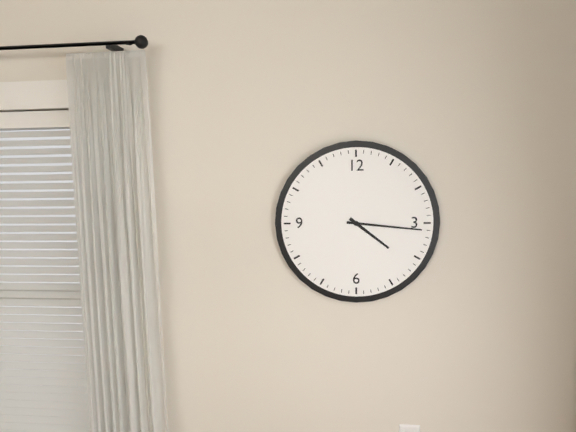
4:16
